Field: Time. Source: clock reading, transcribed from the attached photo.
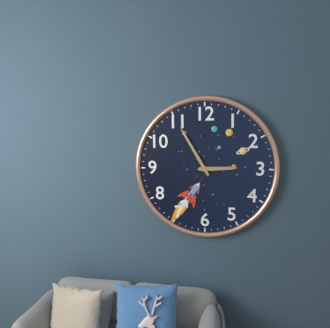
2:55
